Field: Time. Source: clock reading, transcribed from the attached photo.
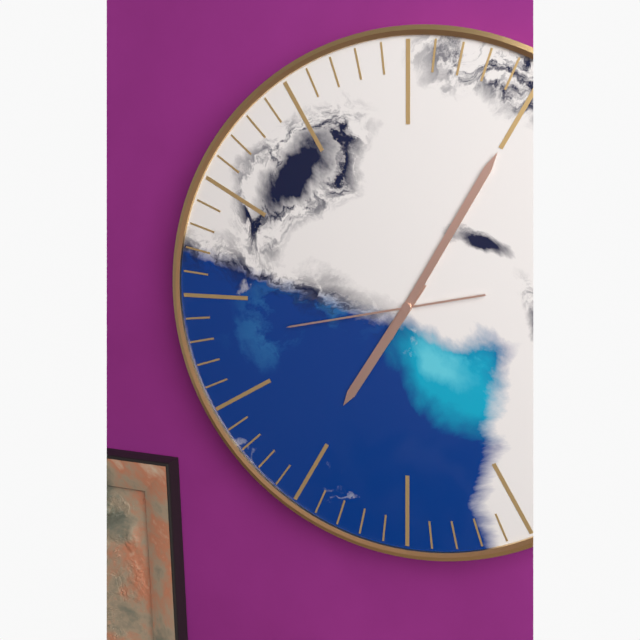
7:05:43
